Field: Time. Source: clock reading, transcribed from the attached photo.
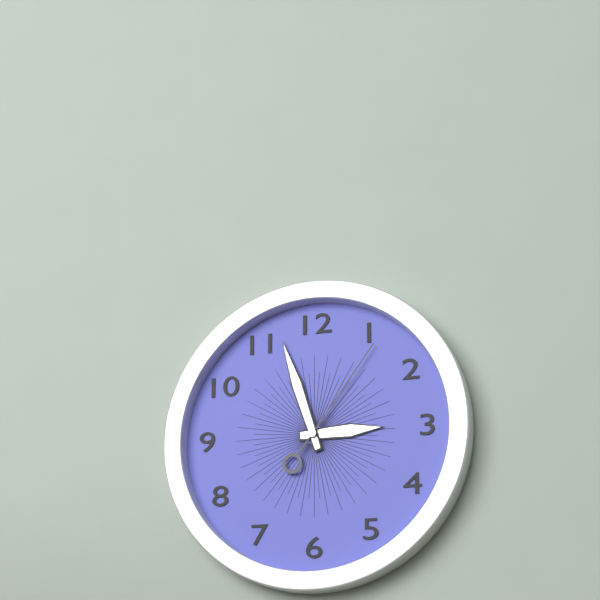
2:57:06
